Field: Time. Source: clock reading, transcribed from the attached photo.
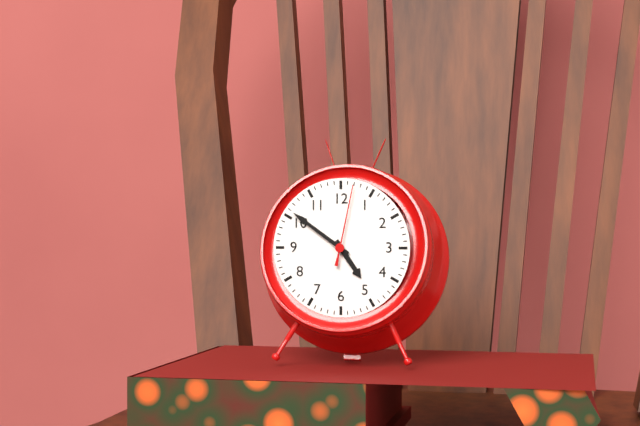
4:51:02
